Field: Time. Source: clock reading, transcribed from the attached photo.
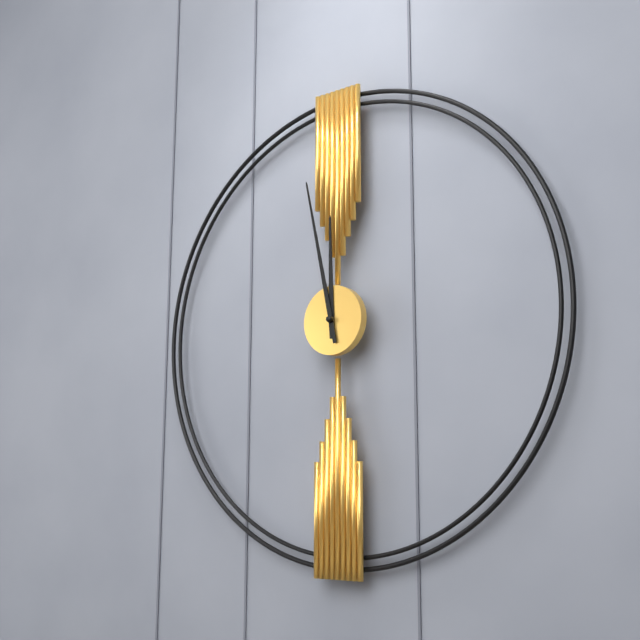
11:58
